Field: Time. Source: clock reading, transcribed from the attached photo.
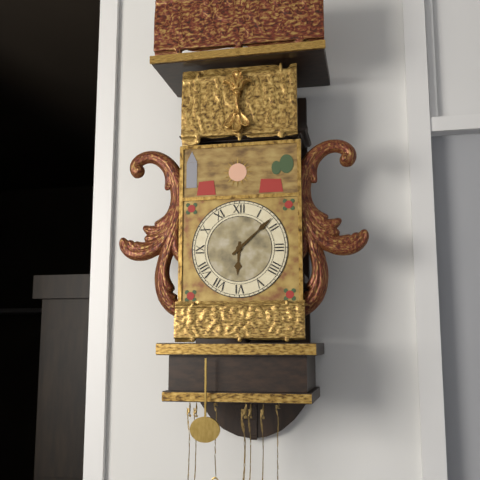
6:08
